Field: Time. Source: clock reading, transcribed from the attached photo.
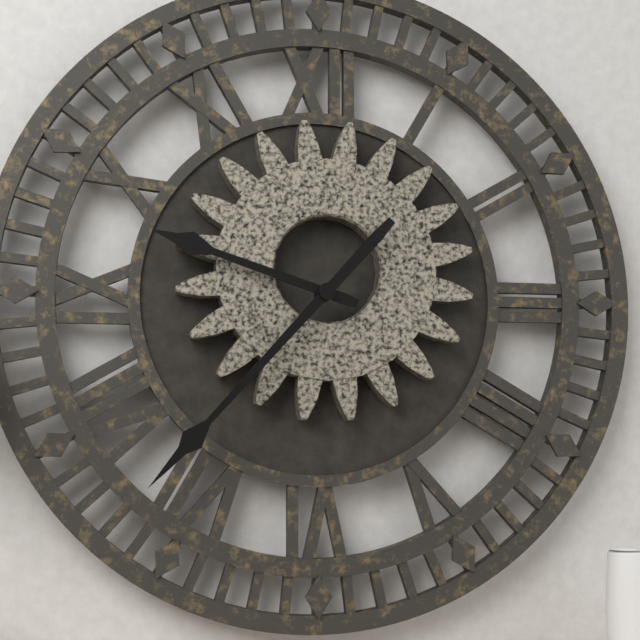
9:37
